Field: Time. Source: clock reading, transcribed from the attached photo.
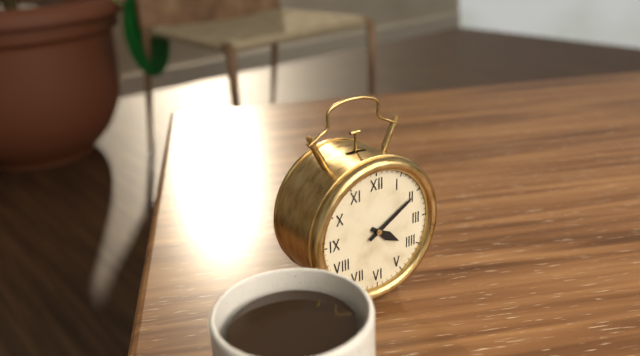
4:10
